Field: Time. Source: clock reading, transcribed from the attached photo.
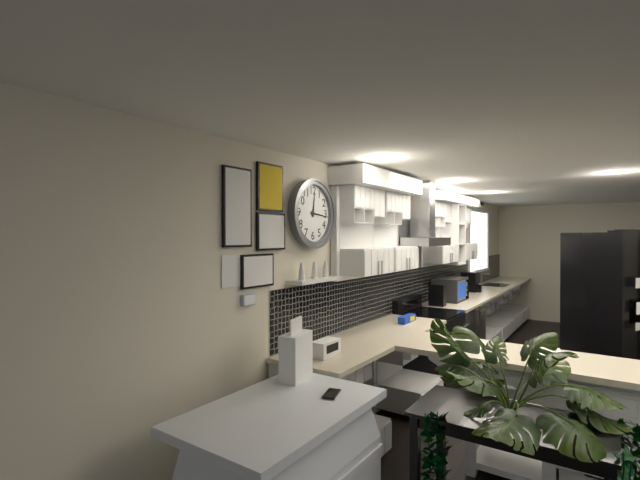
12:16
